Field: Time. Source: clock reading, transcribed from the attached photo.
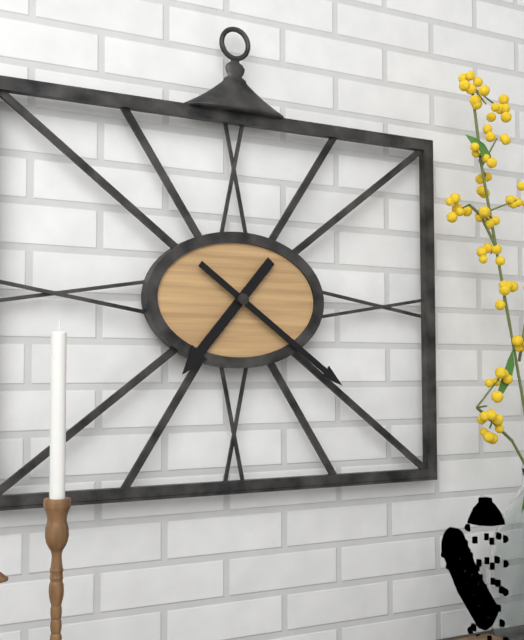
7:21
